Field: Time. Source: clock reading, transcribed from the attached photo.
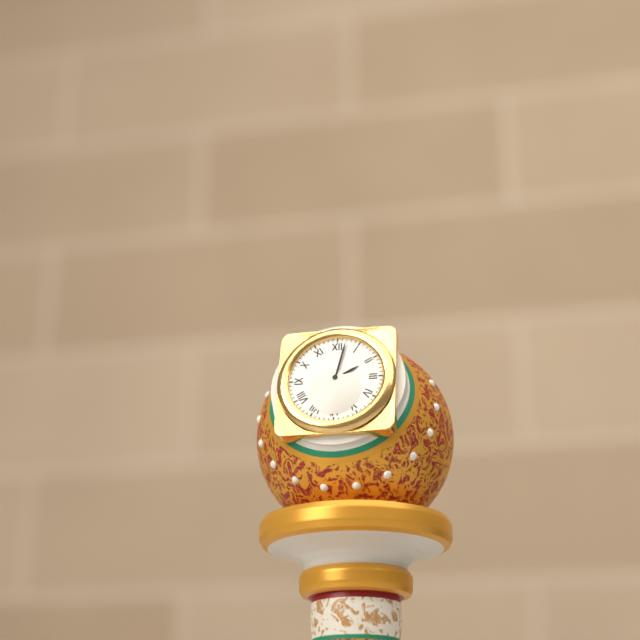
2:02
